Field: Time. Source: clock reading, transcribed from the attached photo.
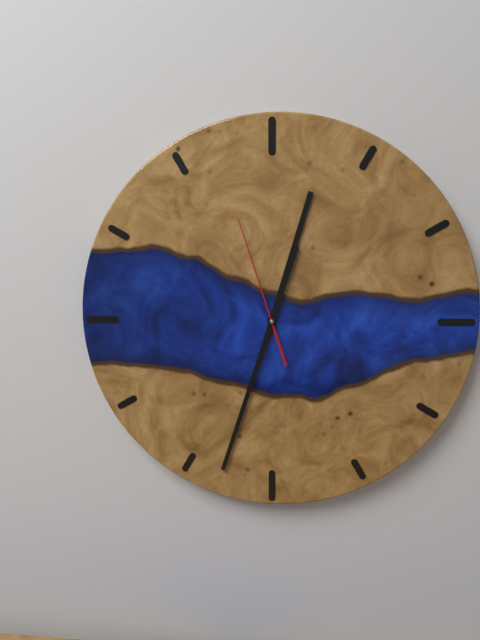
12:33:57
